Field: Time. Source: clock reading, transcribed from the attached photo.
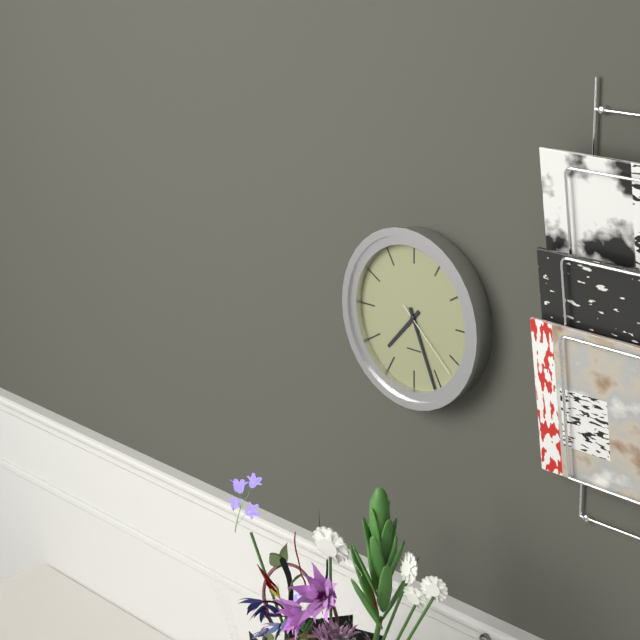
7:26:22
